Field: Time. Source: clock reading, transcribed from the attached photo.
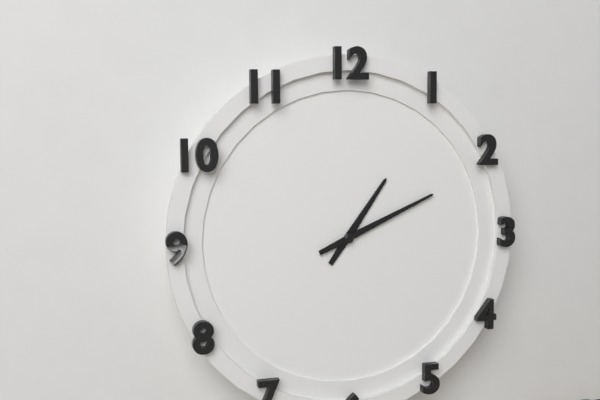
1:11
